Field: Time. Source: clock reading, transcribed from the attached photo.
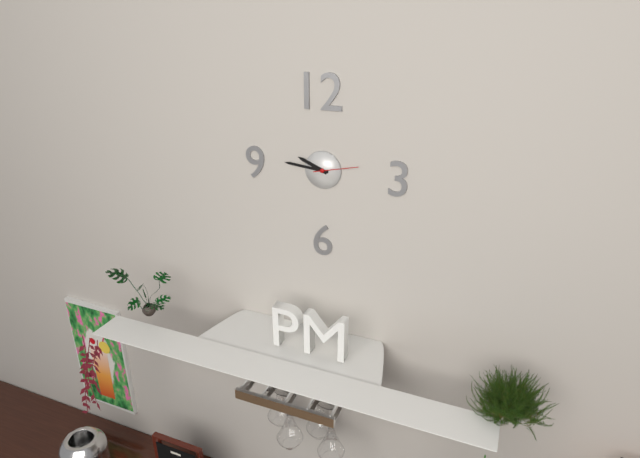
9:46
